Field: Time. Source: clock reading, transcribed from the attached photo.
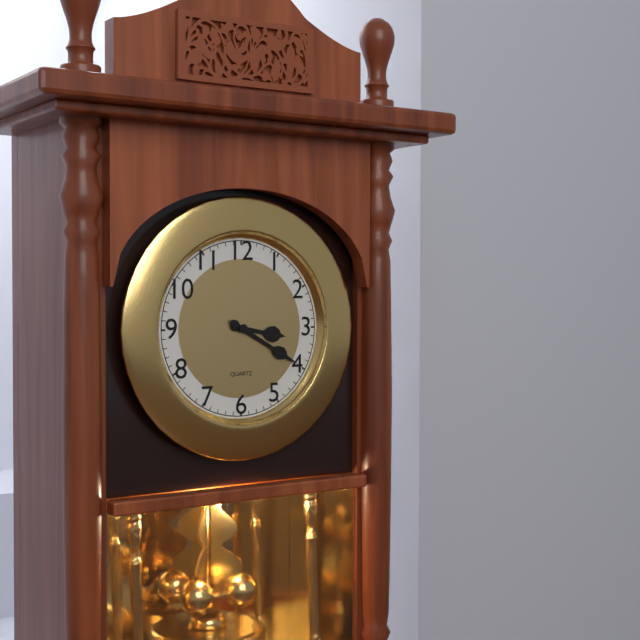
3:20
